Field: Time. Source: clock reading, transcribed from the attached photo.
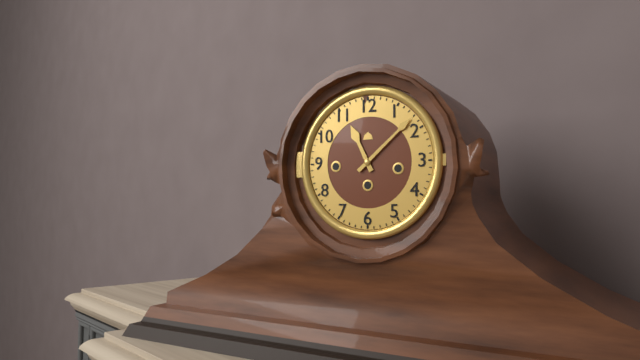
11:08
